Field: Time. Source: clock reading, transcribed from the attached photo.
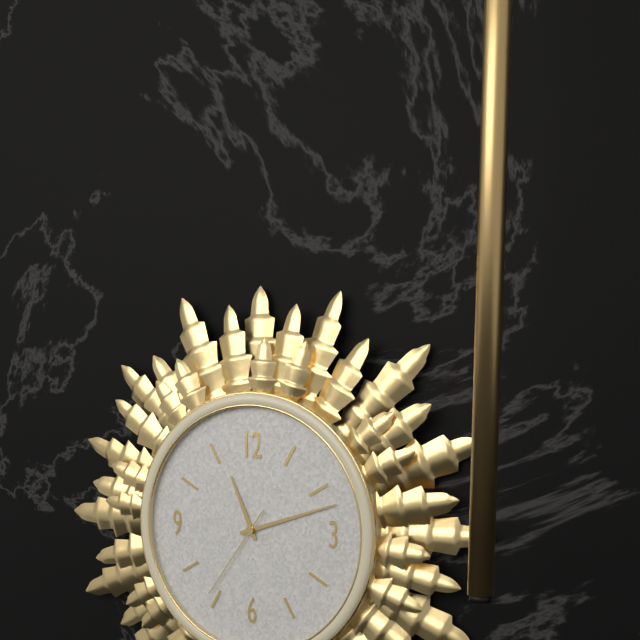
11:12:36
